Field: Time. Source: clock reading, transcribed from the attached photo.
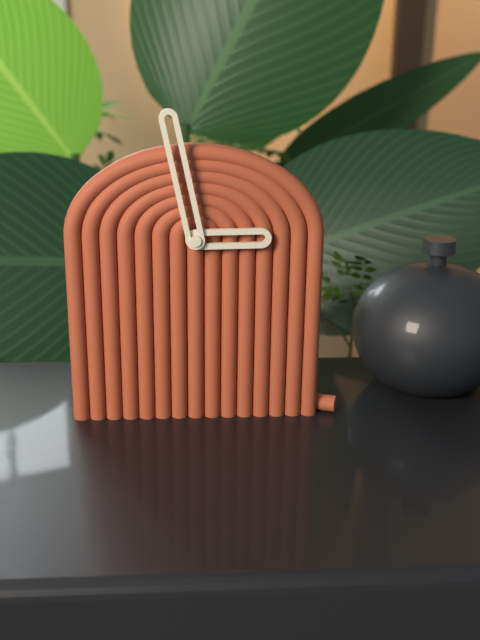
2:58
